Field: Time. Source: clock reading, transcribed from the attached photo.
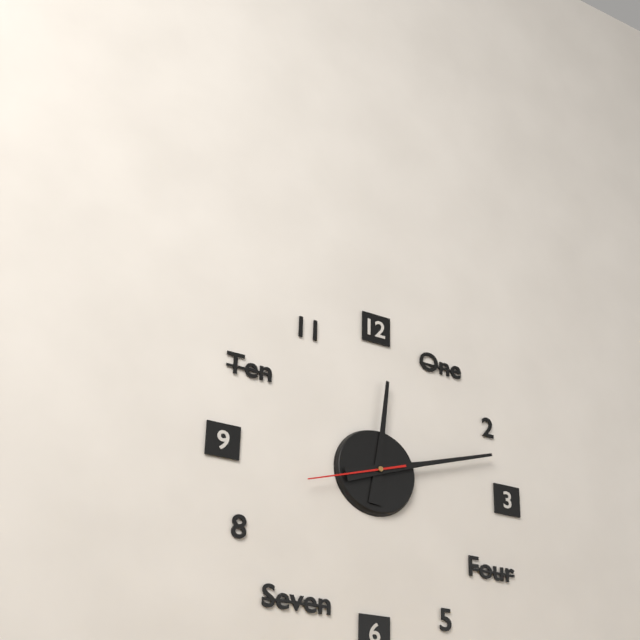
12:12:42
